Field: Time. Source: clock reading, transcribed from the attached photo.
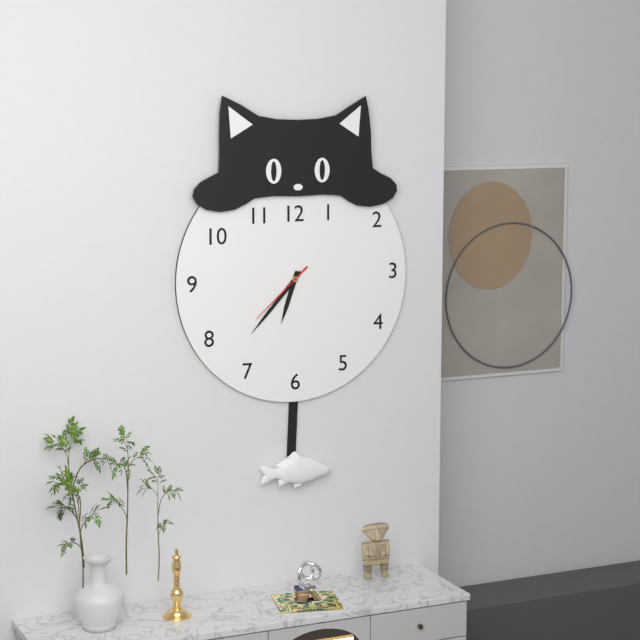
6:37:38
